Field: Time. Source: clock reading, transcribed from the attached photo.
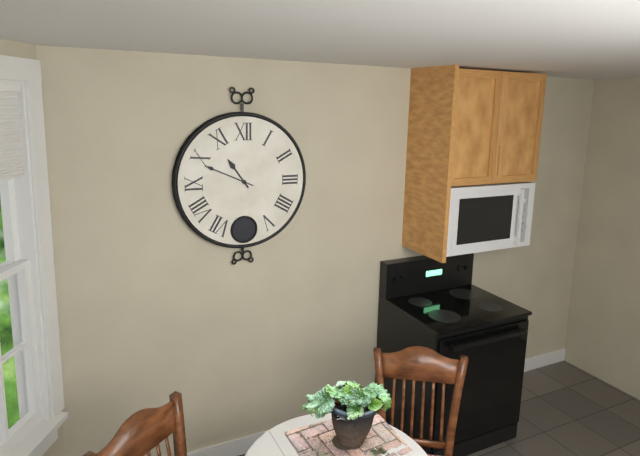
10:49
